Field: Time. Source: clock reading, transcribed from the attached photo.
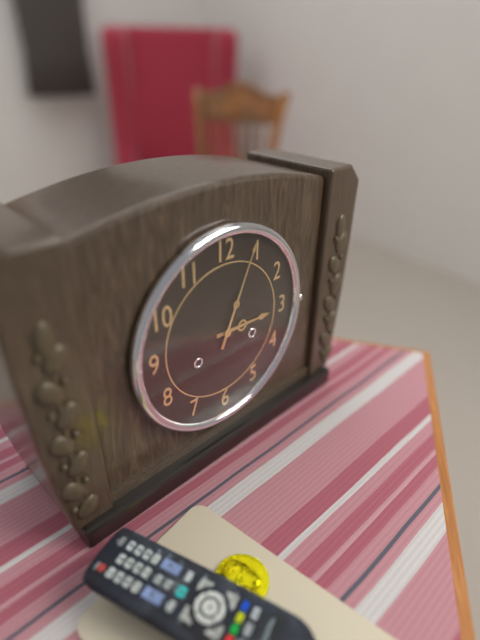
3:04
